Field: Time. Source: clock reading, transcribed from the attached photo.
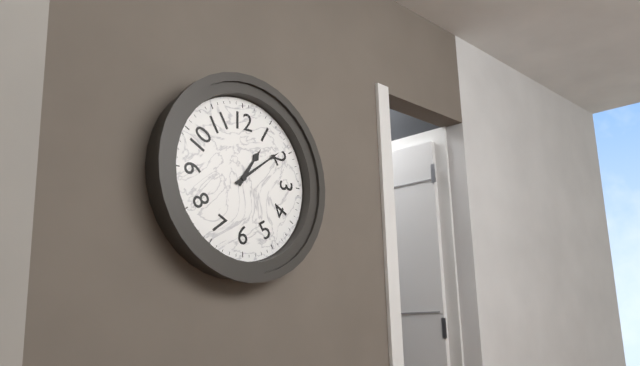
1:09
